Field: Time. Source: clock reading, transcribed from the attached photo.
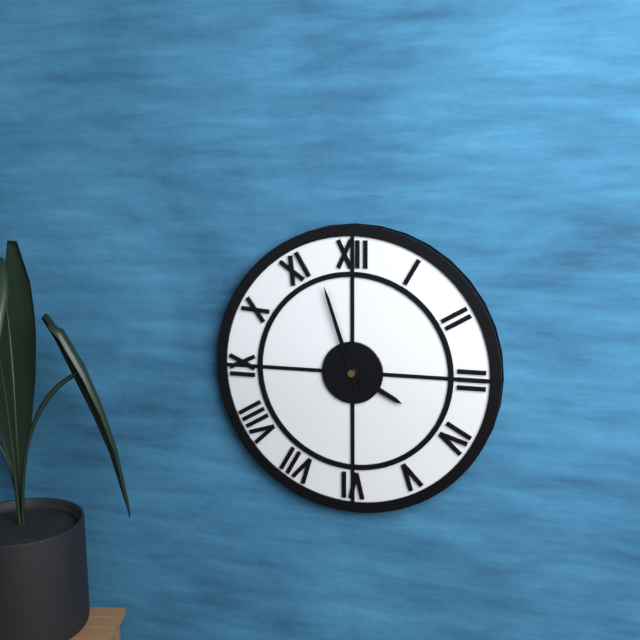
3:57
